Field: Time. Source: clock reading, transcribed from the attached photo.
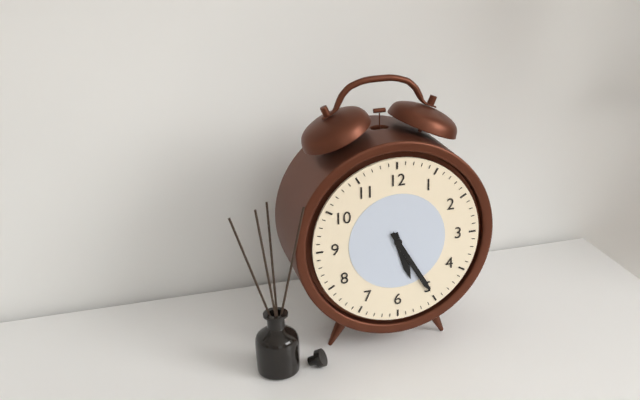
5:25
